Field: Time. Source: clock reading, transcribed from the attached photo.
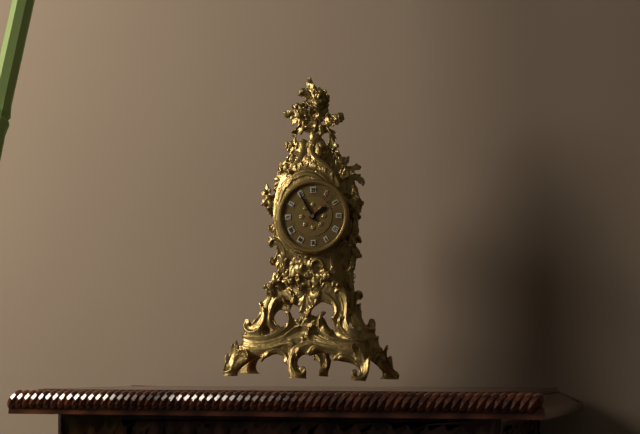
1:55
